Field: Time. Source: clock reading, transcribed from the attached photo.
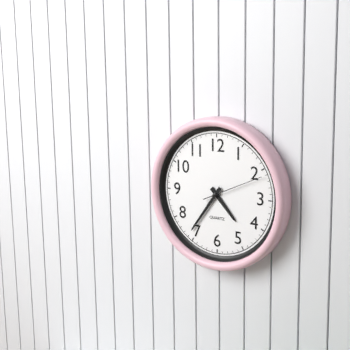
4:36:11
